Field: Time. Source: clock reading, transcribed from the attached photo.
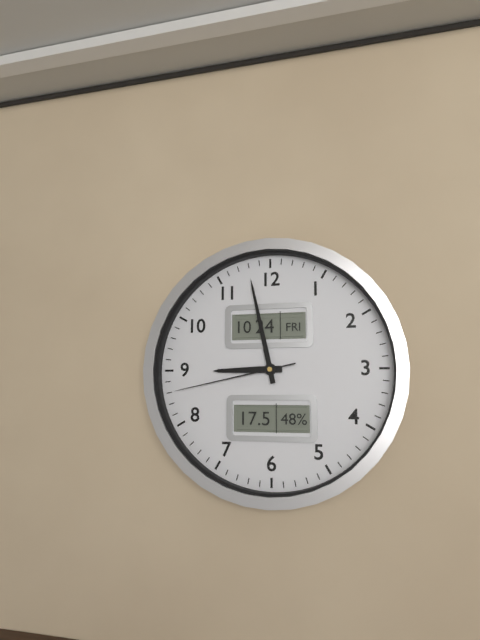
8:58:43
